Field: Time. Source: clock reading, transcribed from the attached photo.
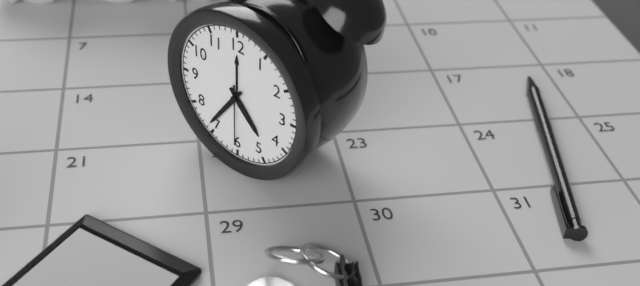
4:36:30
